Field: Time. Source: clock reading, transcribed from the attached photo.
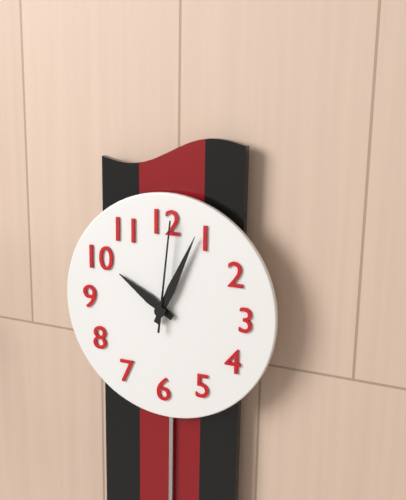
10:04:01
